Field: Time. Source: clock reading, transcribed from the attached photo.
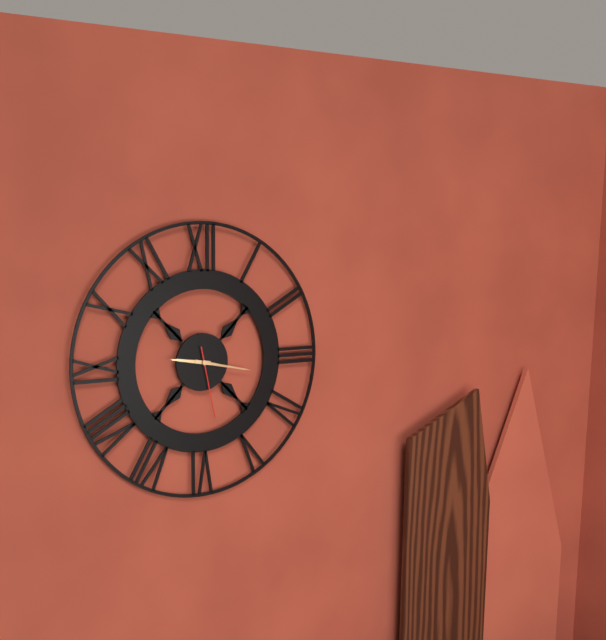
9:17:28
